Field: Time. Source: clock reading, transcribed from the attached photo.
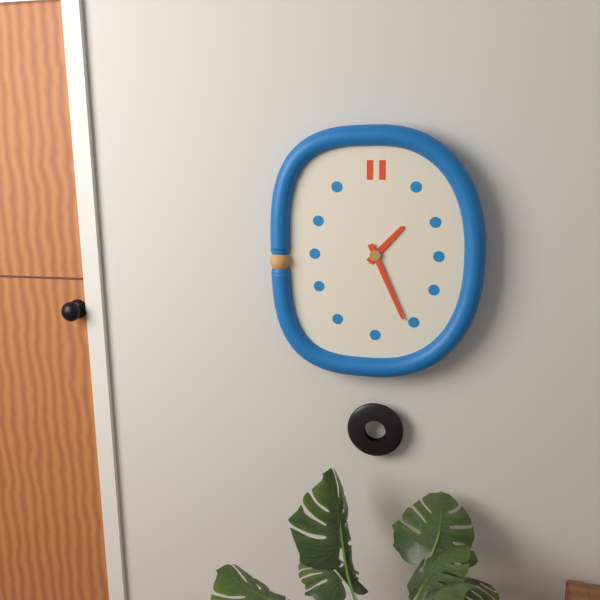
1:26
